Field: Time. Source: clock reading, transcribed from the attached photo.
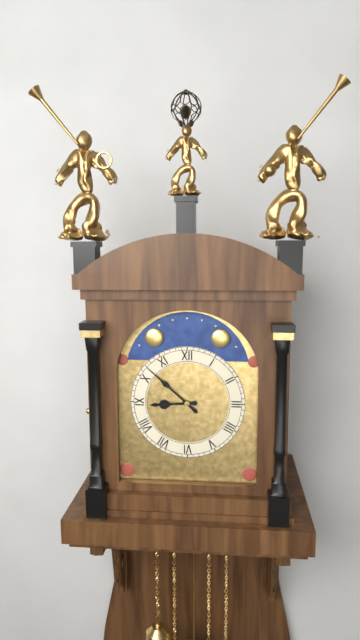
8:52
